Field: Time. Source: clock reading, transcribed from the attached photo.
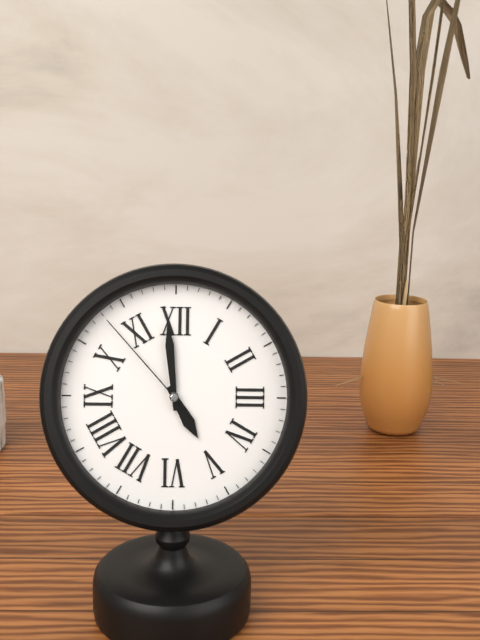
4:59:53
